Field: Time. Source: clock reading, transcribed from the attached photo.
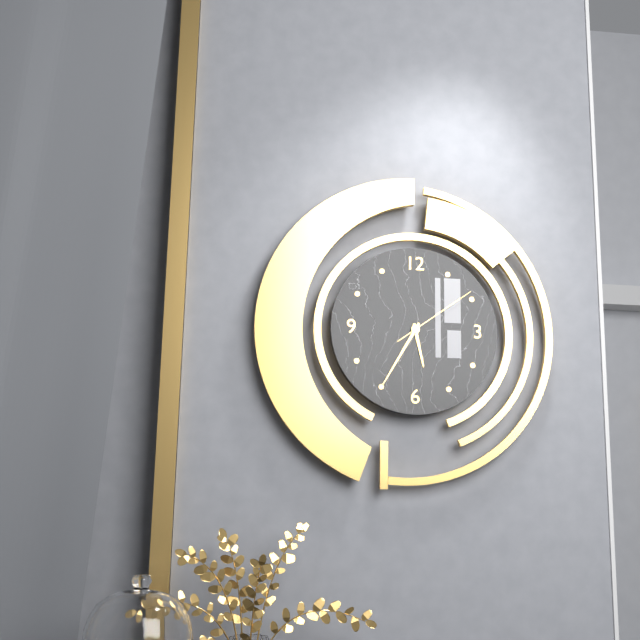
5:35:09
